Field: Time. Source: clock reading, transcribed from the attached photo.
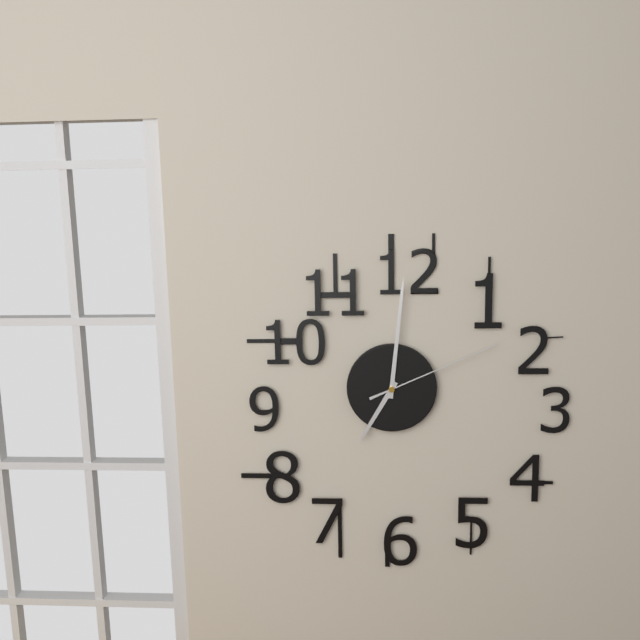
7:01:11
